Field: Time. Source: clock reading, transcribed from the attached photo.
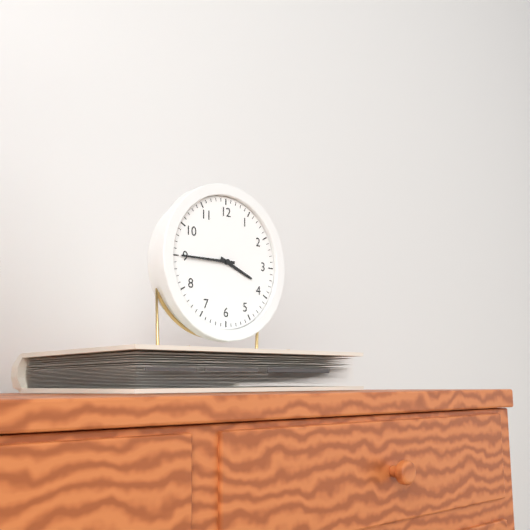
3:45
